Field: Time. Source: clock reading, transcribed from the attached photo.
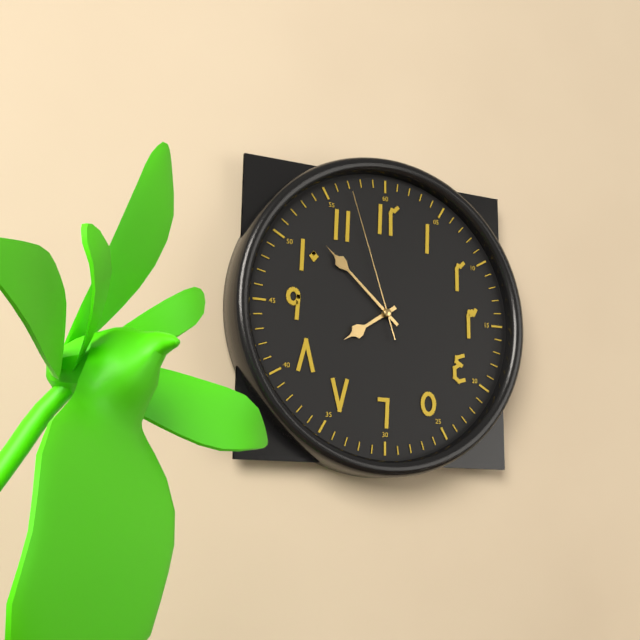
7:52:57
